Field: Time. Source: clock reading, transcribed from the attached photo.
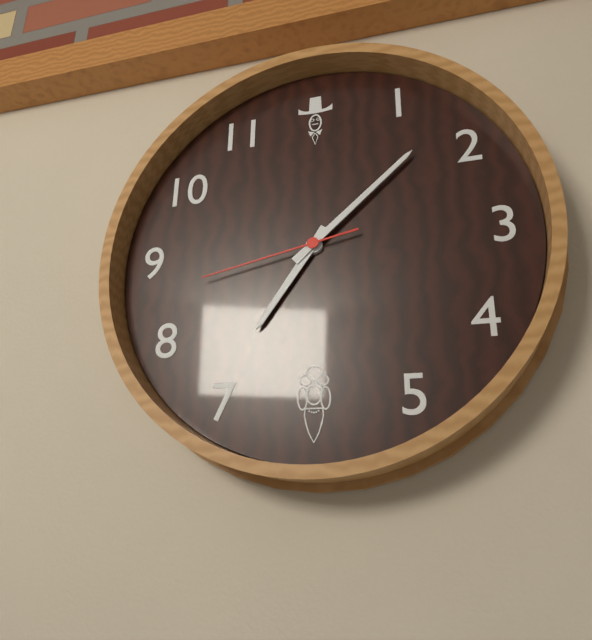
7:08:43
